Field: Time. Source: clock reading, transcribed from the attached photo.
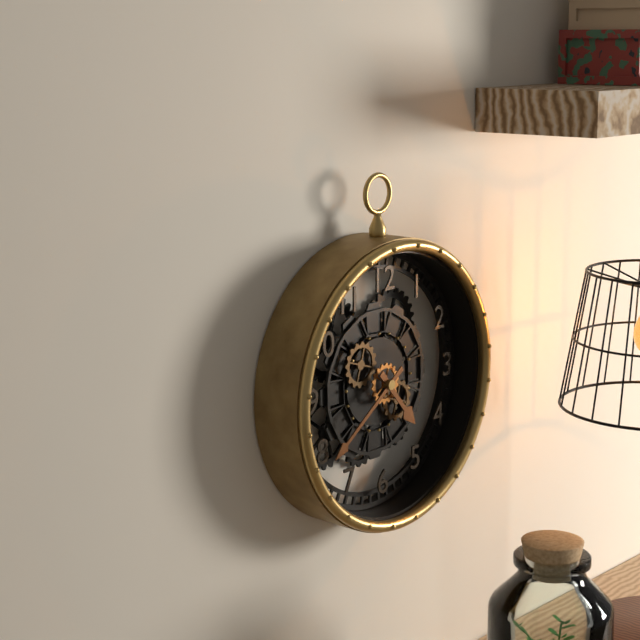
4:39
